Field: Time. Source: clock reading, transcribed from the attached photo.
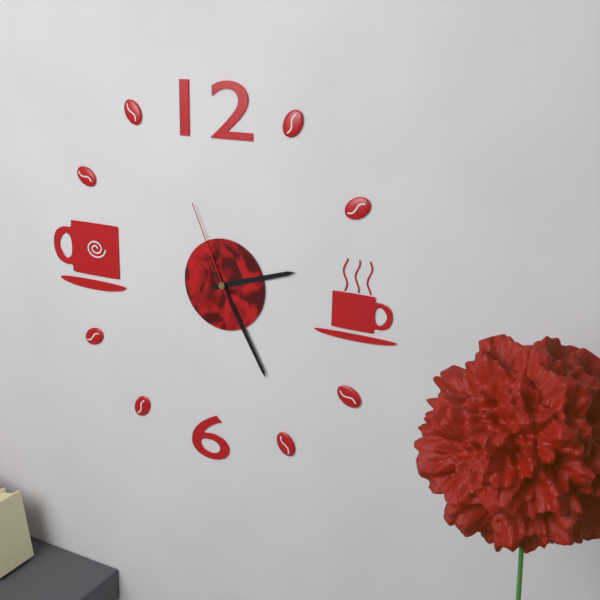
2:25:56
